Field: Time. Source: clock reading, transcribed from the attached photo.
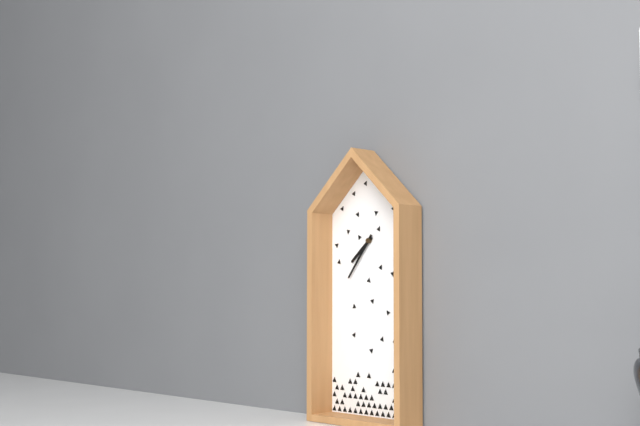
7:36
